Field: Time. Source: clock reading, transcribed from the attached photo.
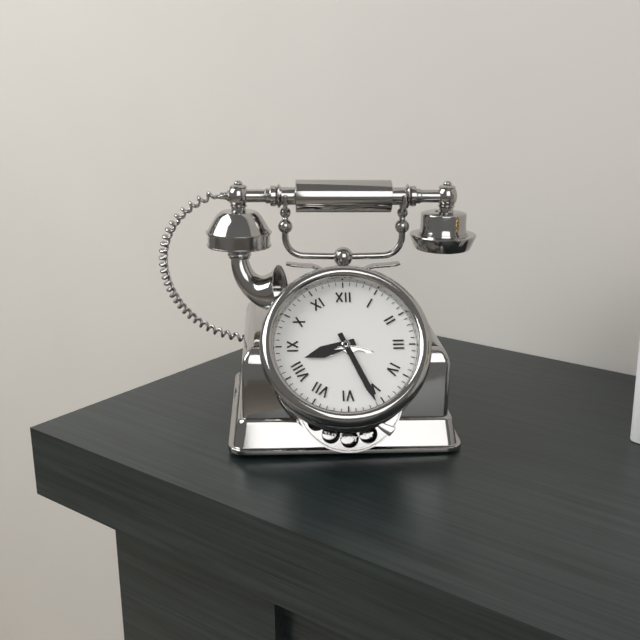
8:26
